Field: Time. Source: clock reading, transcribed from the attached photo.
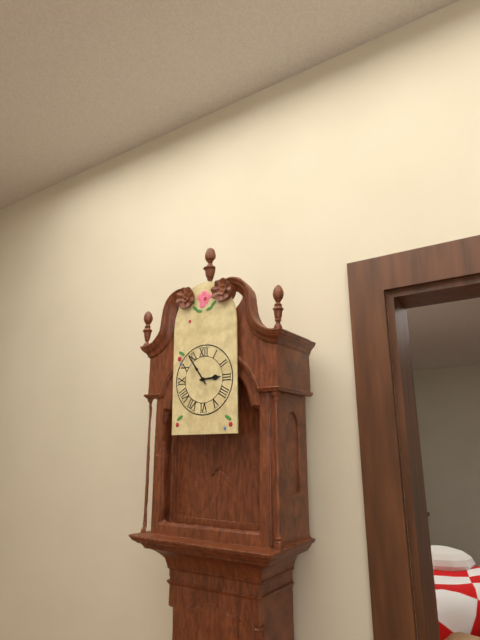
2:54
